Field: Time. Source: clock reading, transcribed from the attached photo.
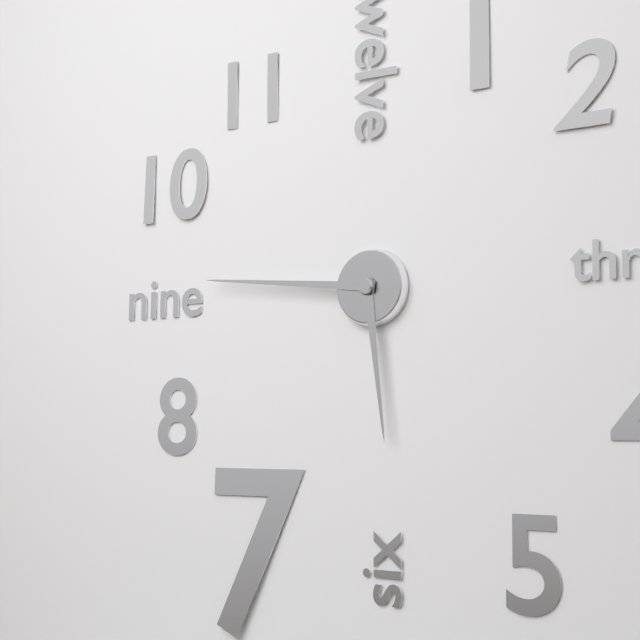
5:46
